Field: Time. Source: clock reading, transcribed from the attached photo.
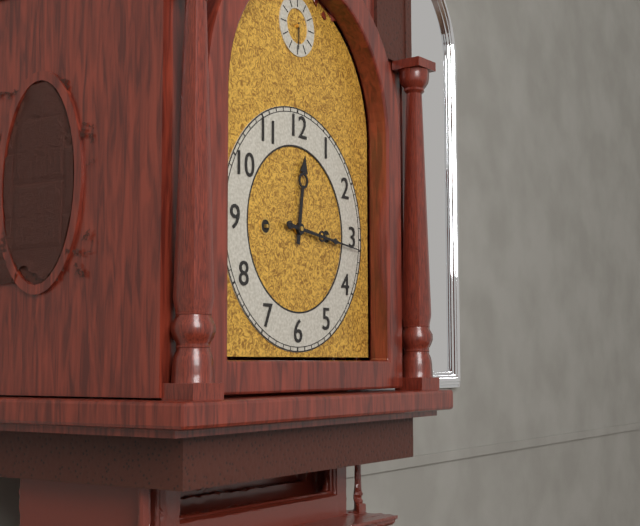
12:16
